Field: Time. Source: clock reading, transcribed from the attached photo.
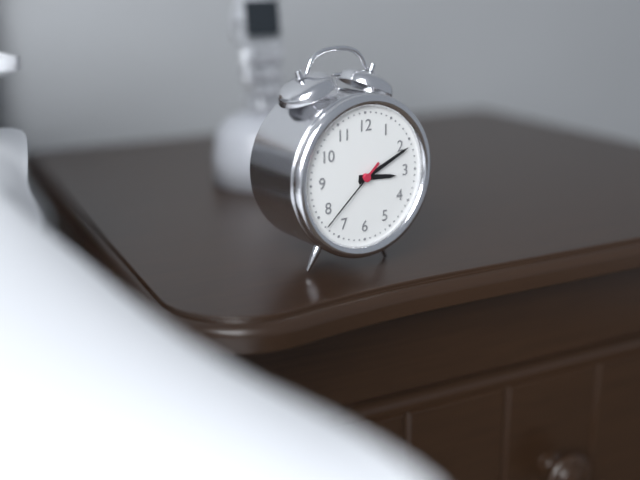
3:11:38
